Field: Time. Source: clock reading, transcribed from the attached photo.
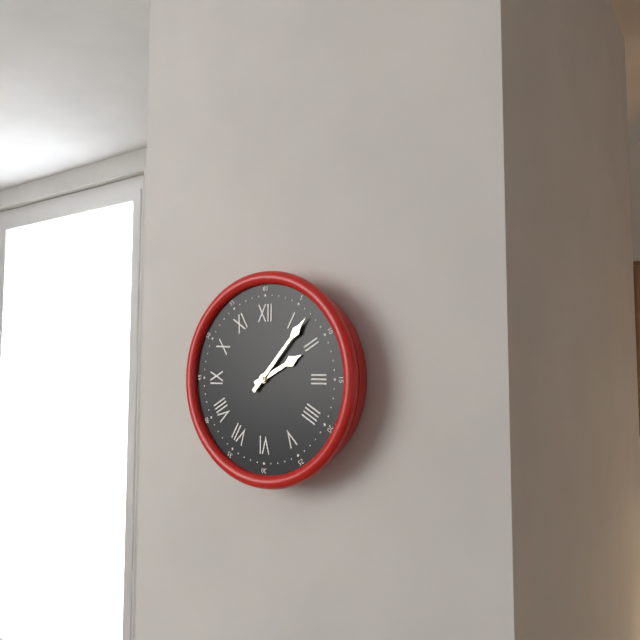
2:07
